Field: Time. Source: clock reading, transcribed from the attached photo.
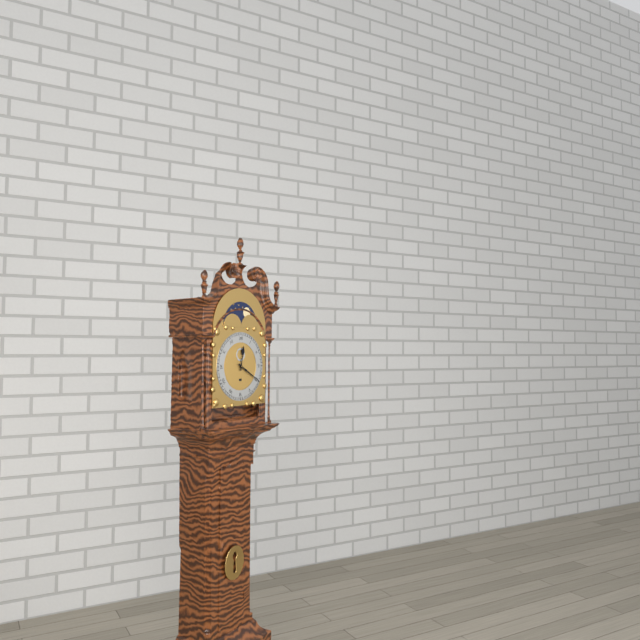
12:20
